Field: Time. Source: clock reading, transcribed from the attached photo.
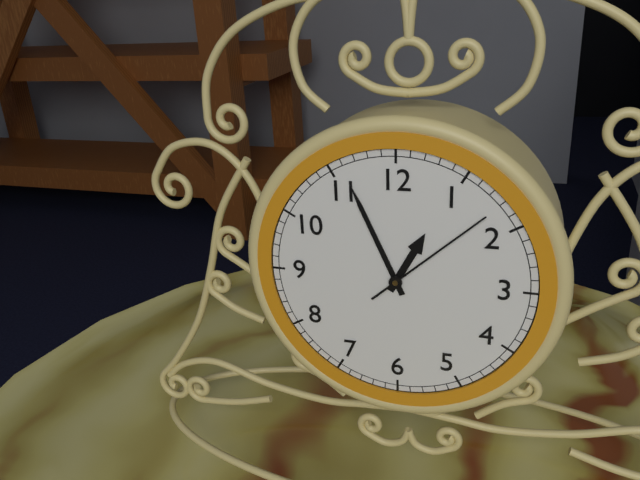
12:56:08
